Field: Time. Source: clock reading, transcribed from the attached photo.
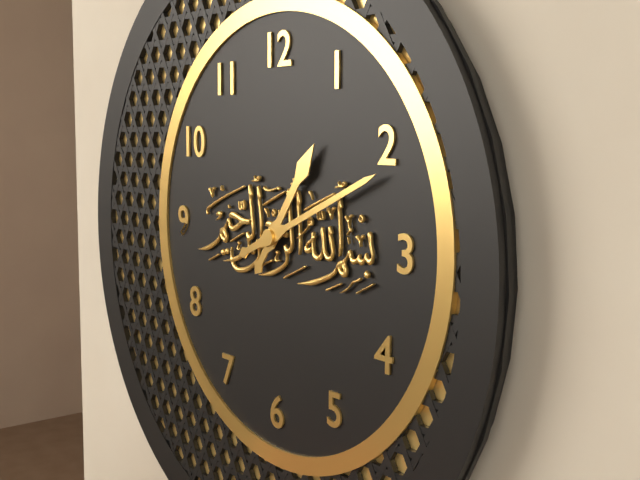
1:11
